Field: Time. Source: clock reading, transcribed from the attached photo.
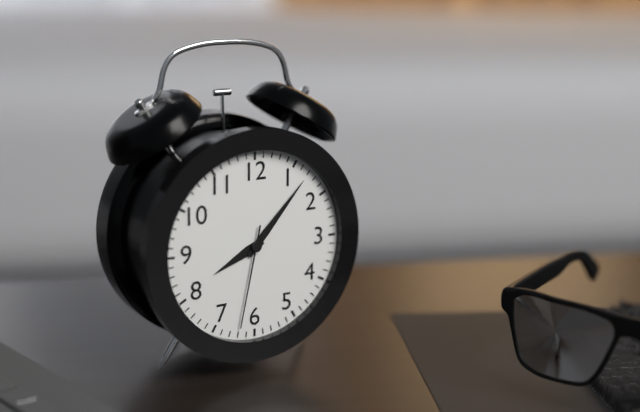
8:07:32
